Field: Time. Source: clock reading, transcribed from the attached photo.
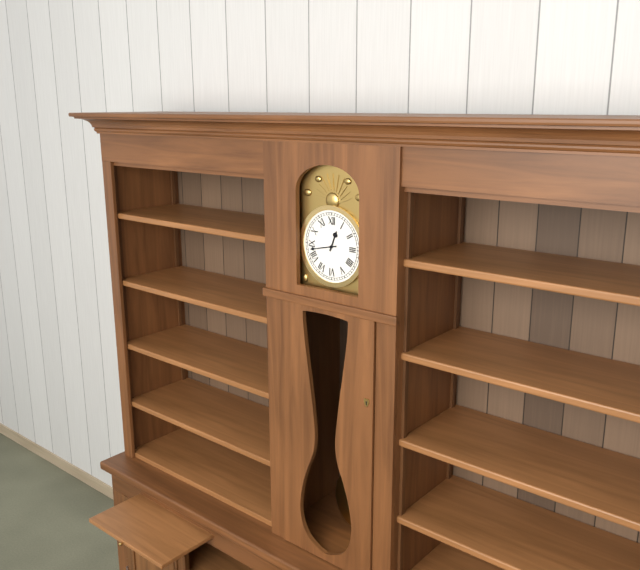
12:43
